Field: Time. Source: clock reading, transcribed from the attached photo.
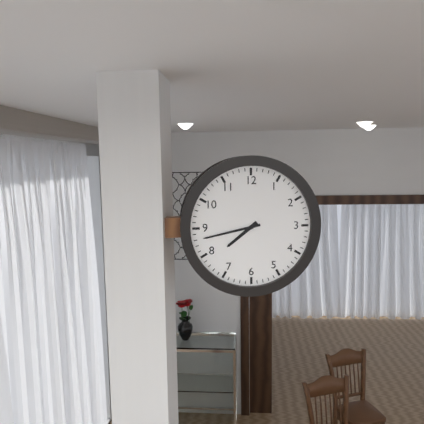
7:43
